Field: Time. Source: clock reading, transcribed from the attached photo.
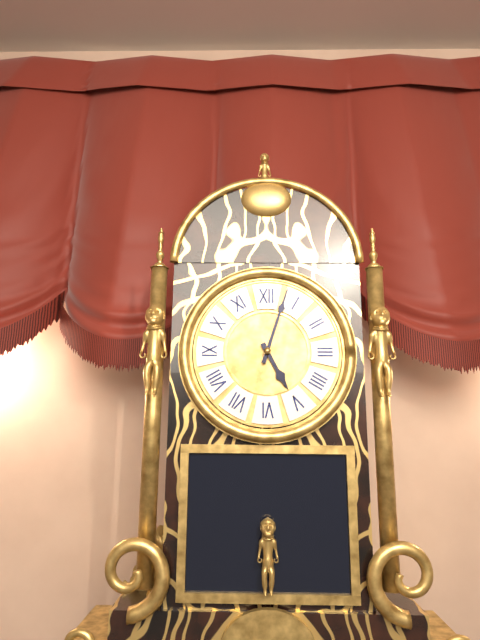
5:03
